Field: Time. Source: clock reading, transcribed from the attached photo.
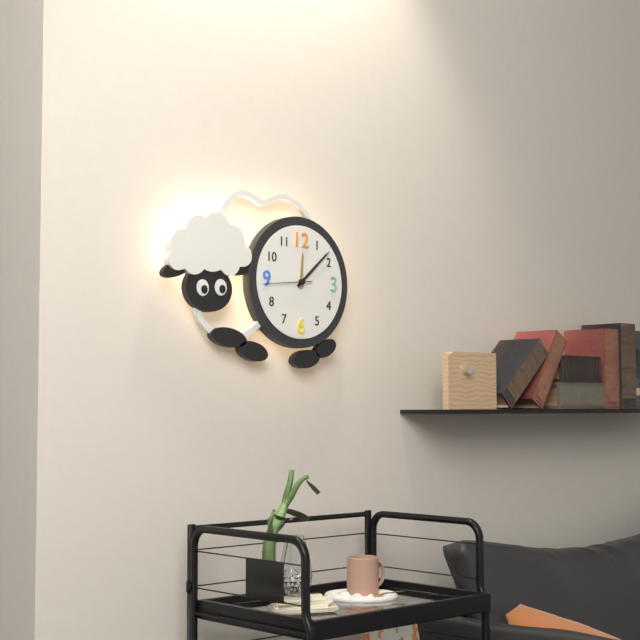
12:08:44
